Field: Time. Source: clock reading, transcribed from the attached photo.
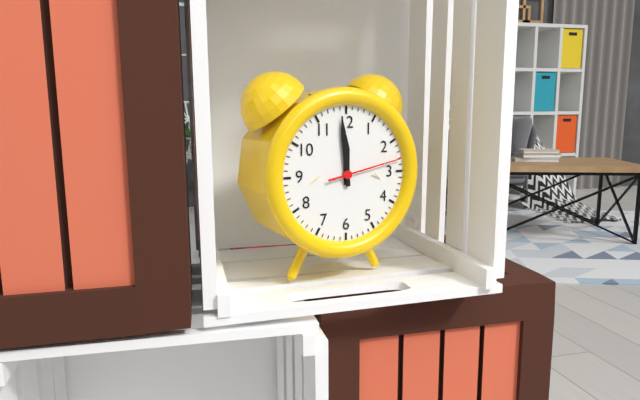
11:59:13
